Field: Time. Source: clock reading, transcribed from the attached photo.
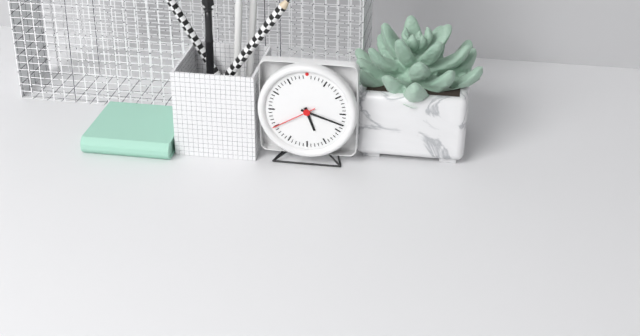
5:18
